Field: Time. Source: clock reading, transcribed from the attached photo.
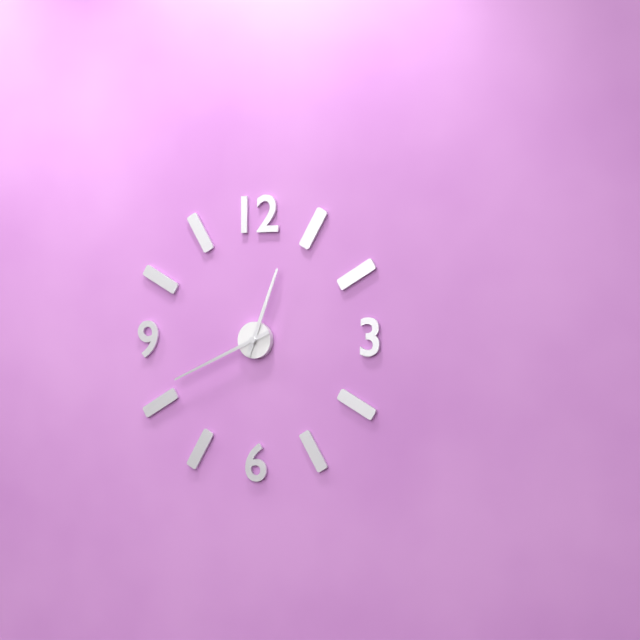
12:41
